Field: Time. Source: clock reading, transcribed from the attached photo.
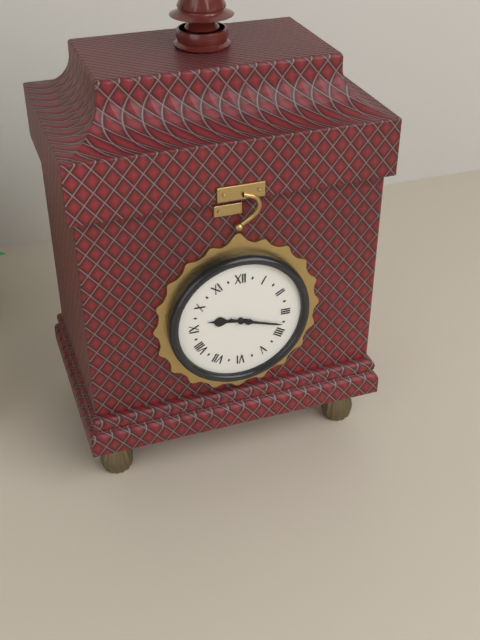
9:18
